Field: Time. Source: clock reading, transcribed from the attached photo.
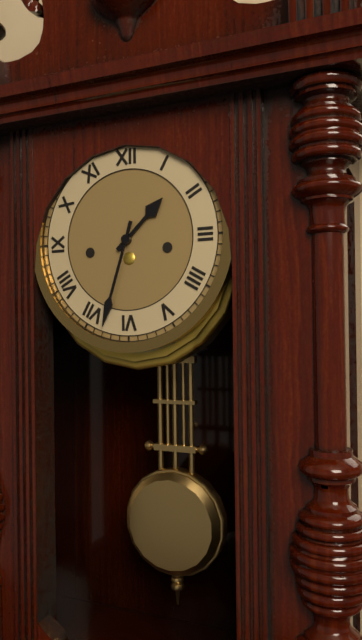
1:33
